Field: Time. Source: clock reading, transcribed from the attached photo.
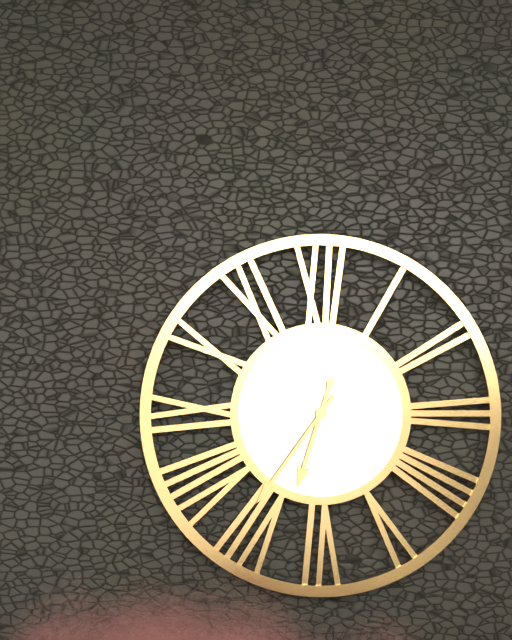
6:36
